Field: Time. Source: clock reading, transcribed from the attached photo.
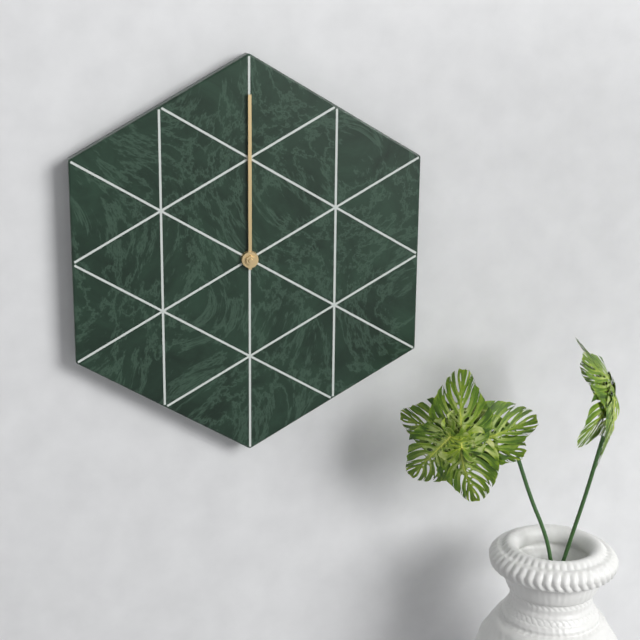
12:00
